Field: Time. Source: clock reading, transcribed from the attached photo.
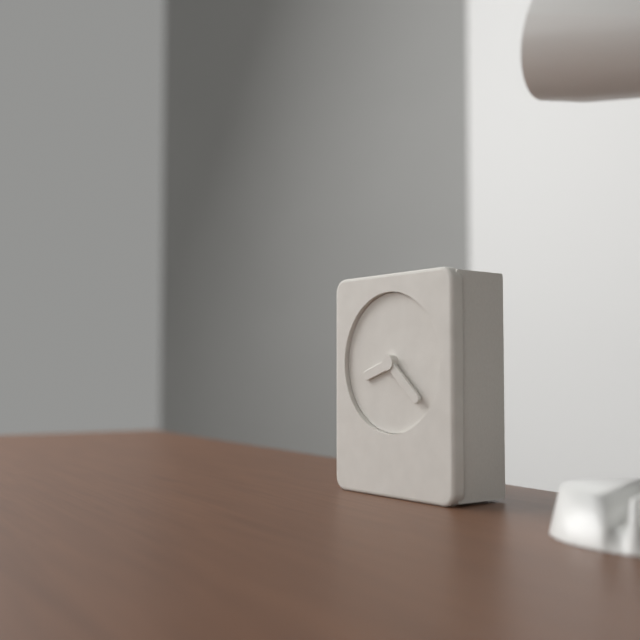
8:22
